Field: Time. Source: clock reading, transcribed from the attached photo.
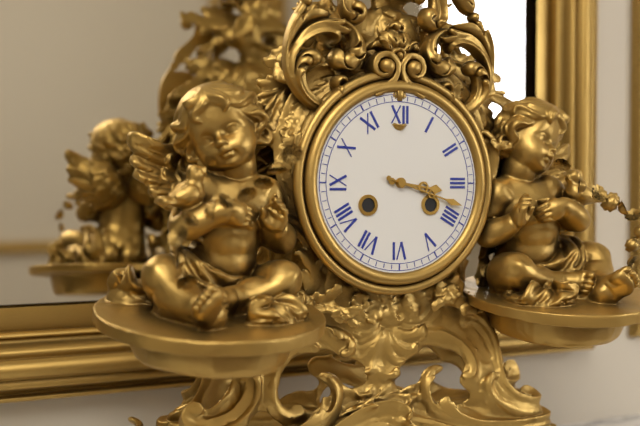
3:18
